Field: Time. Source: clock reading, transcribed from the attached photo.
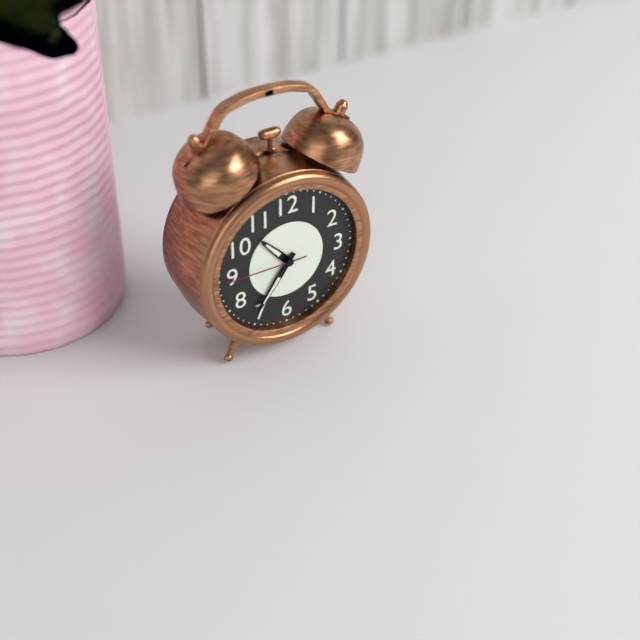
10:36:45
